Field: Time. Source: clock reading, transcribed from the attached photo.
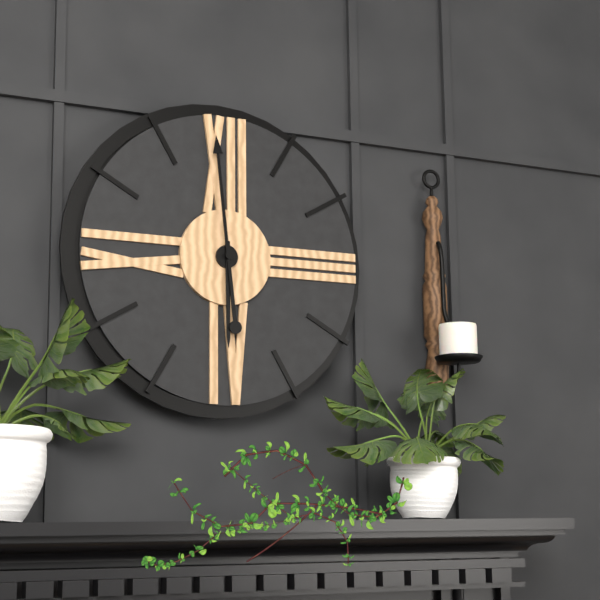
5:59
